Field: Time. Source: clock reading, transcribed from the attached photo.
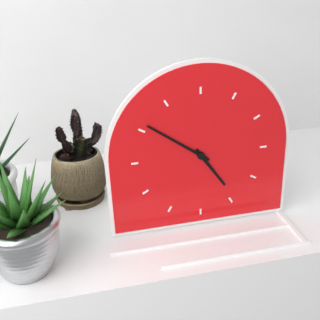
4:51
